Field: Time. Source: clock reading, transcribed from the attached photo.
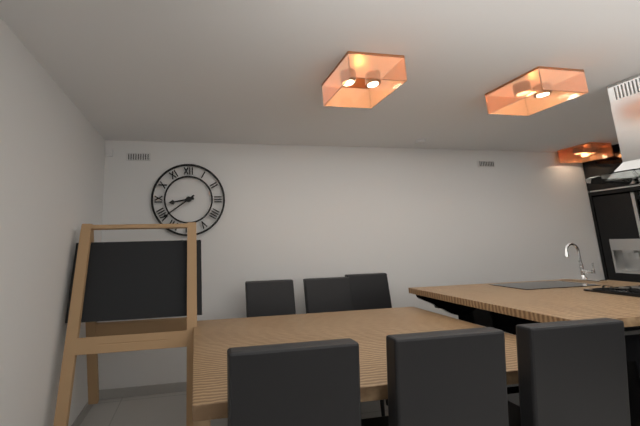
8:39
